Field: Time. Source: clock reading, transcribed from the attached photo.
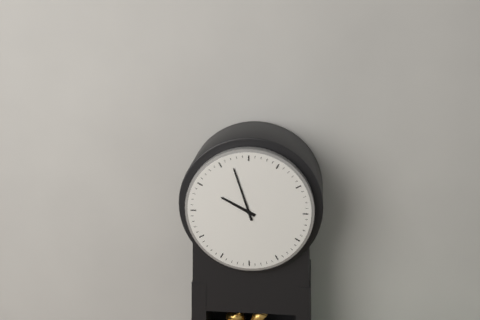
9:57
